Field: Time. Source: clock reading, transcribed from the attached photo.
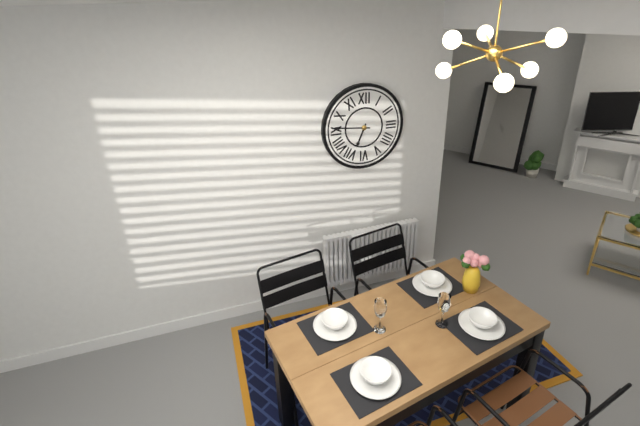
6:46
